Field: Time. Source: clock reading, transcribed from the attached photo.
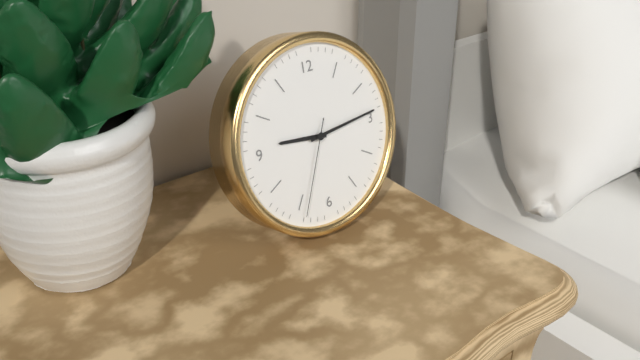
9:14:34
